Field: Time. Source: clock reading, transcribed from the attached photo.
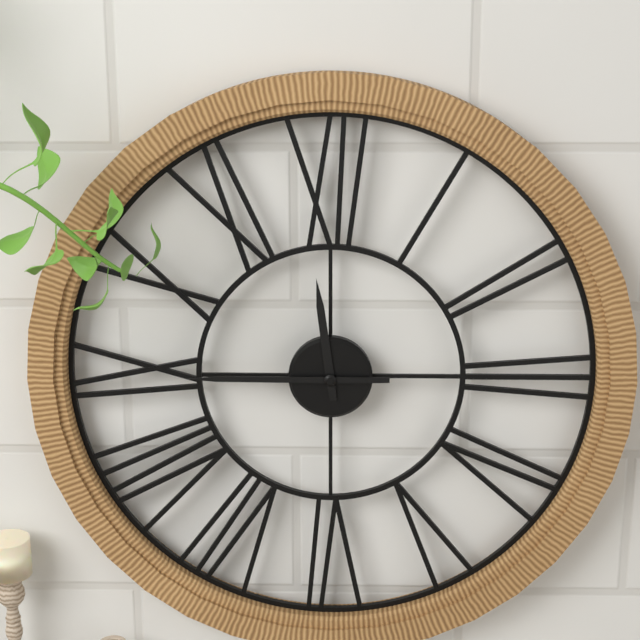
11:45
